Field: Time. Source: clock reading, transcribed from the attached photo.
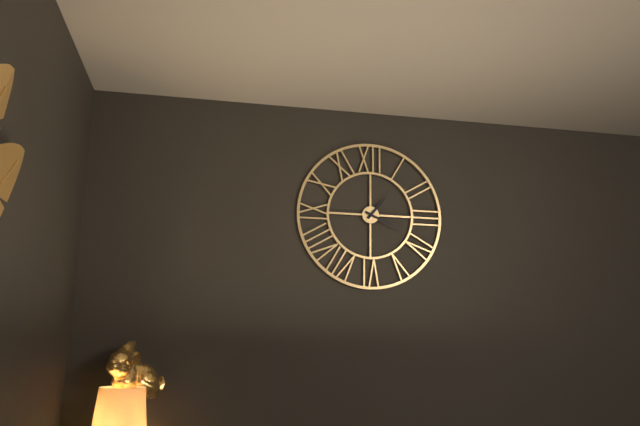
1:19
